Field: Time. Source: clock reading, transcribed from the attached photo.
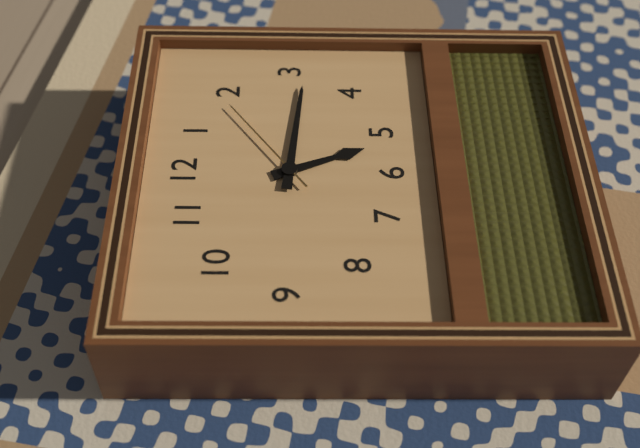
5:16:09
